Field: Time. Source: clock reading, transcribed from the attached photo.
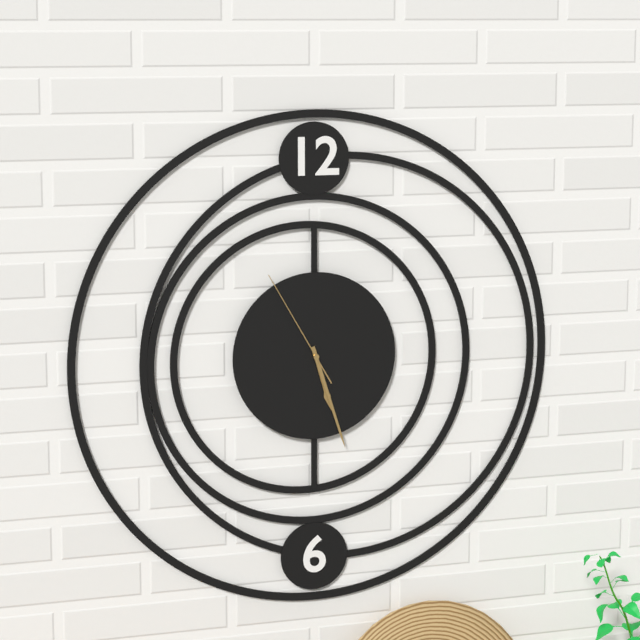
5:27:55
